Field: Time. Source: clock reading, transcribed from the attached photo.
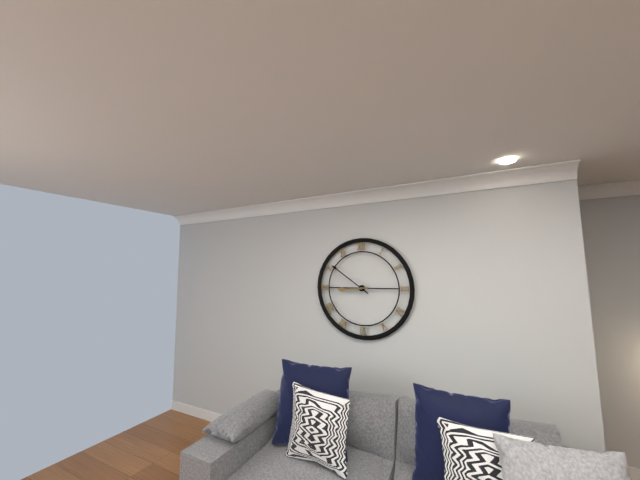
8:51
